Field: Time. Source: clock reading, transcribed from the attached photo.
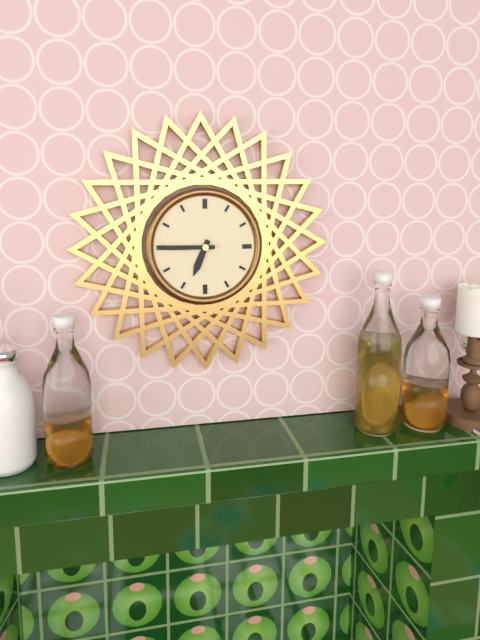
6:45
